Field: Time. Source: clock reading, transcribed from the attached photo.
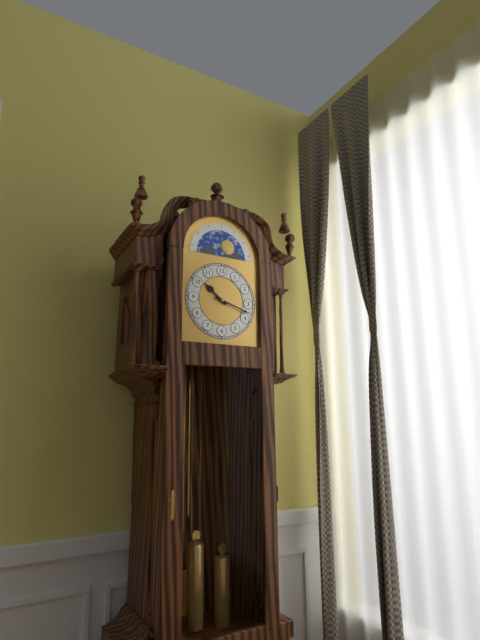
10:18
